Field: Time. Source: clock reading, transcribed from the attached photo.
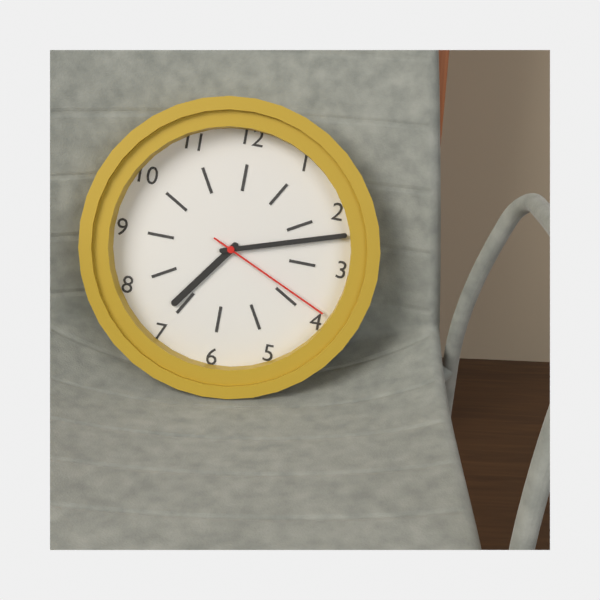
7:12:19
